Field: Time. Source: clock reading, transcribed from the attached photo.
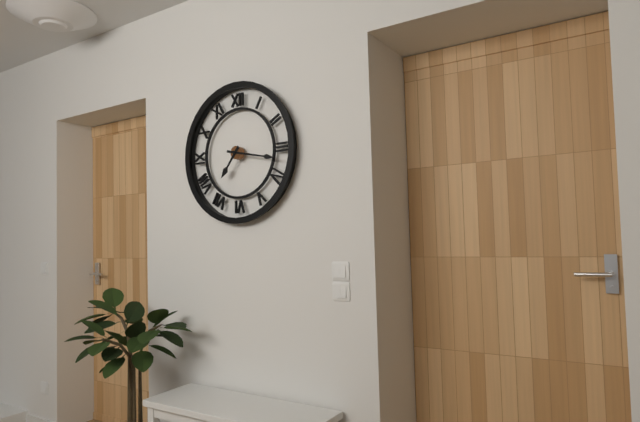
7:17
